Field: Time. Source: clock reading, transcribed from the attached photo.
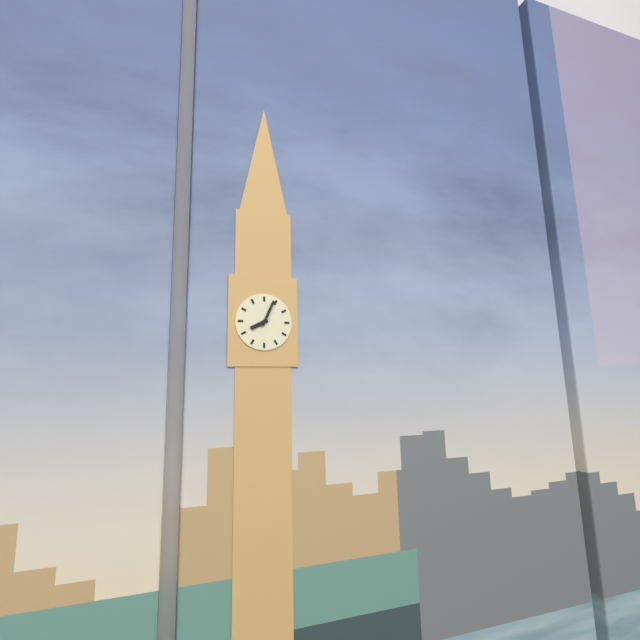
8:04
